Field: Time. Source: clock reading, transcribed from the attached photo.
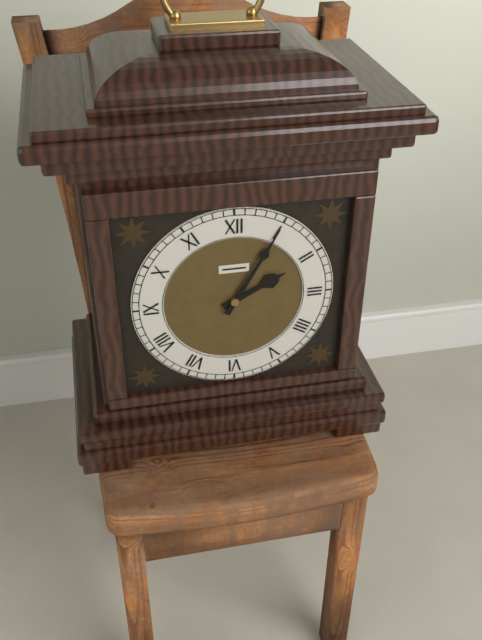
2:05
